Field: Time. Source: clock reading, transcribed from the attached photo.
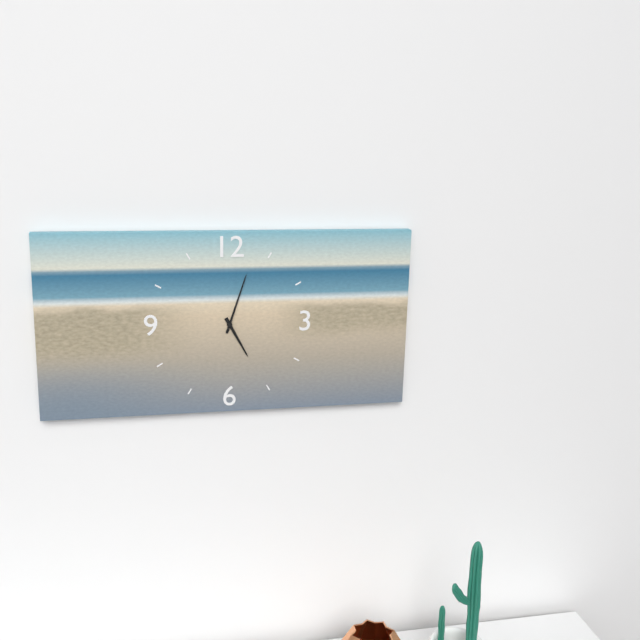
5:03
